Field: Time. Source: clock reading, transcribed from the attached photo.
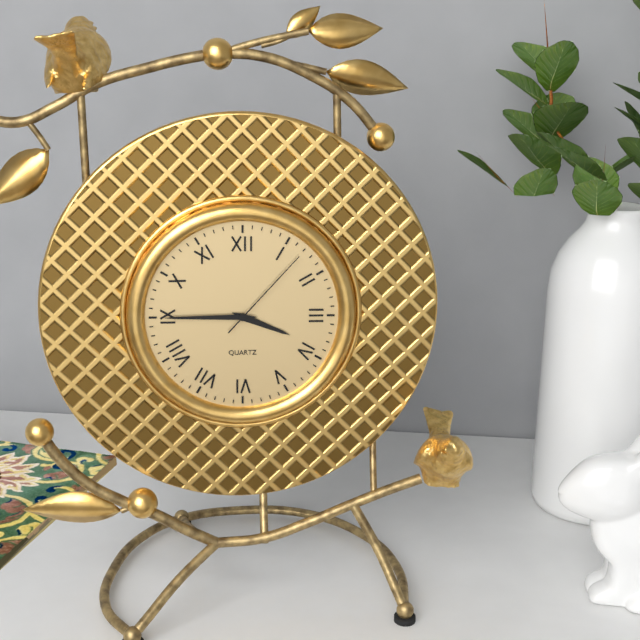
3:45:07
